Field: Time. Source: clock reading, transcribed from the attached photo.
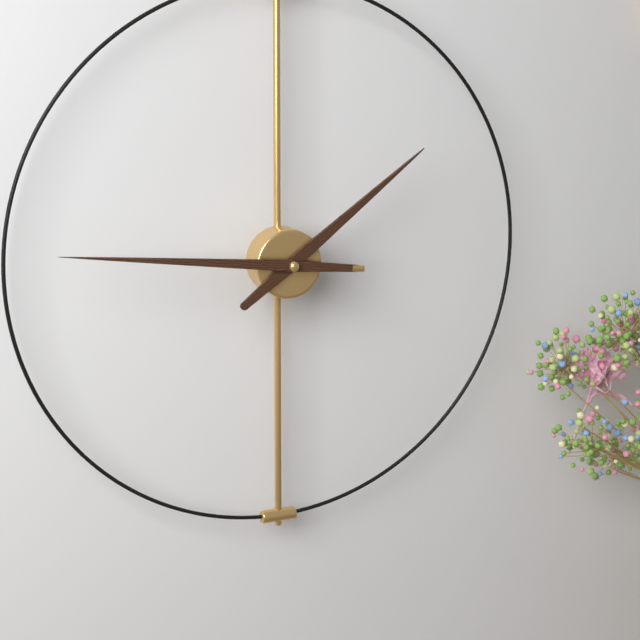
1:46
